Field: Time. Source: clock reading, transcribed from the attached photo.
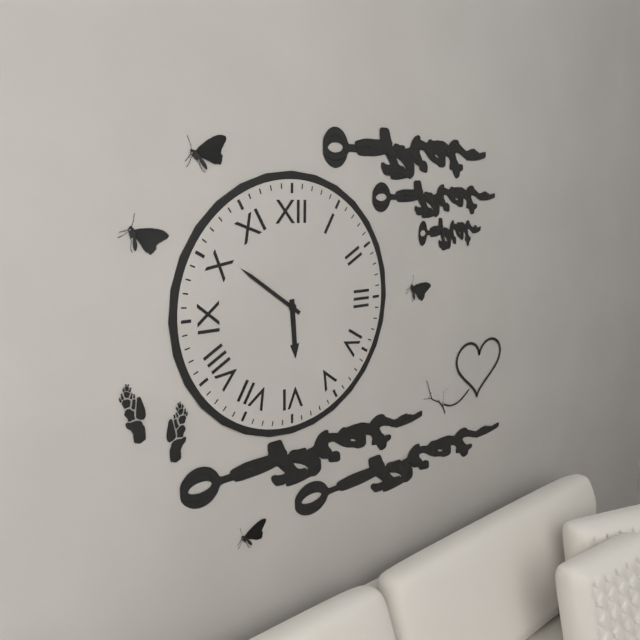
5:51
